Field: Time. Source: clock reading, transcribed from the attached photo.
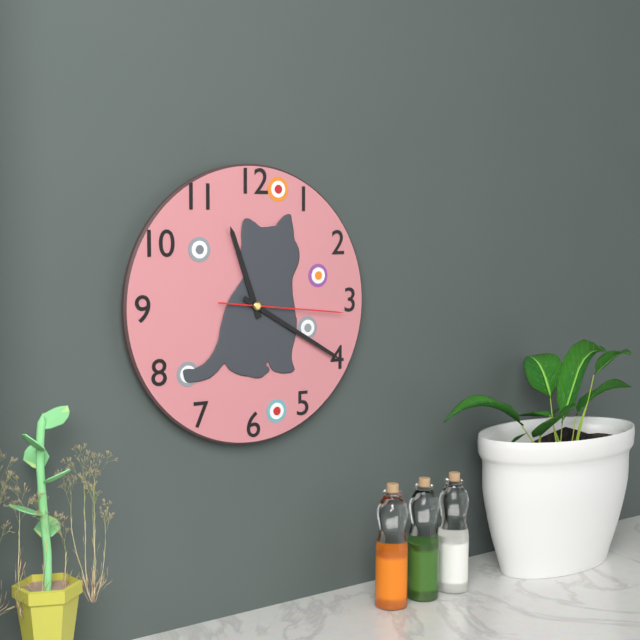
11:20:16
